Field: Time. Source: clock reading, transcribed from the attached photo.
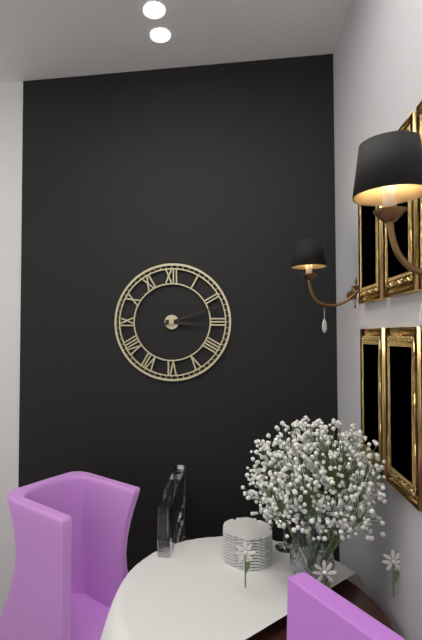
3:12
